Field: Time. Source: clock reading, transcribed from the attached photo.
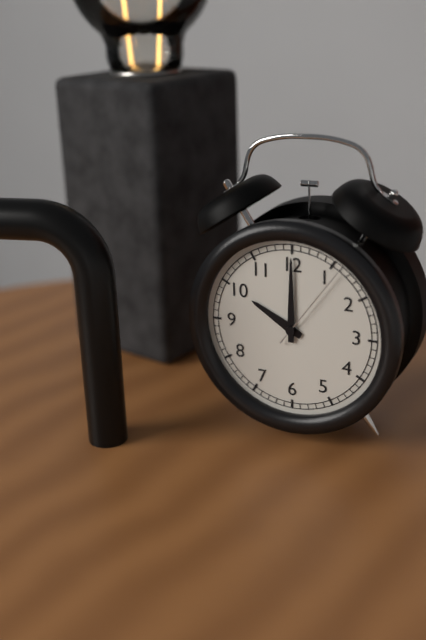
10:00:06
